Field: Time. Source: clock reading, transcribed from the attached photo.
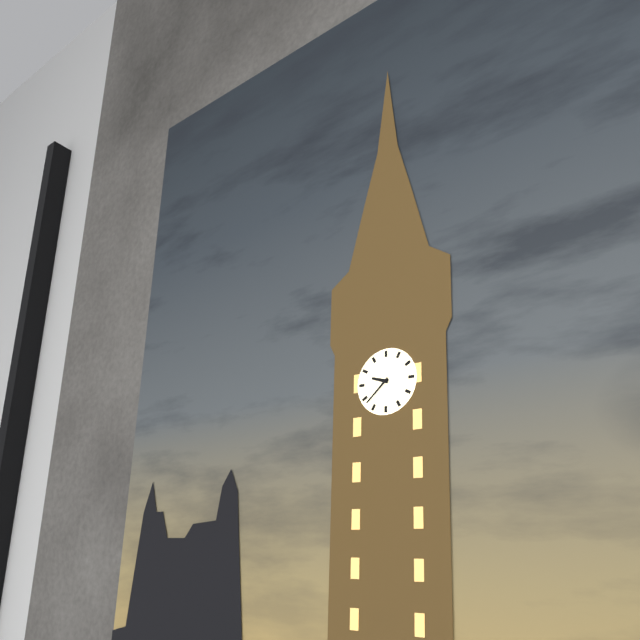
9:38
